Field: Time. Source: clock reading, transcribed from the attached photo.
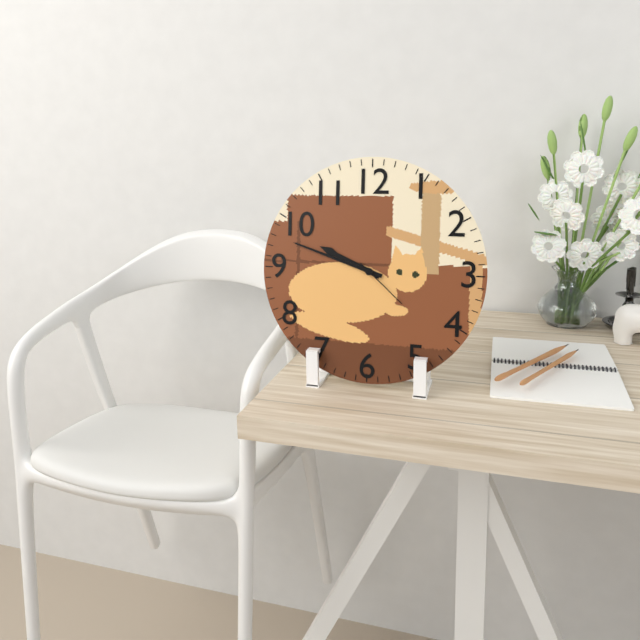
9:48:22
